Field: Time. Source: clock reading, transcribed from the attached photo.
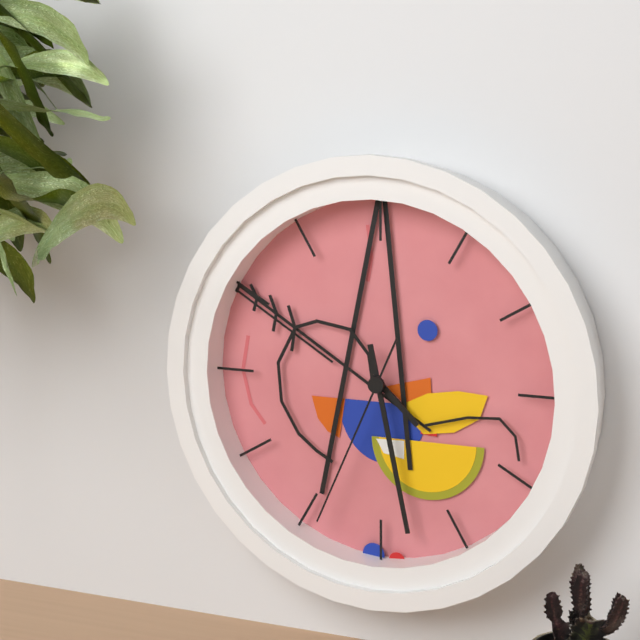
4:28:34
